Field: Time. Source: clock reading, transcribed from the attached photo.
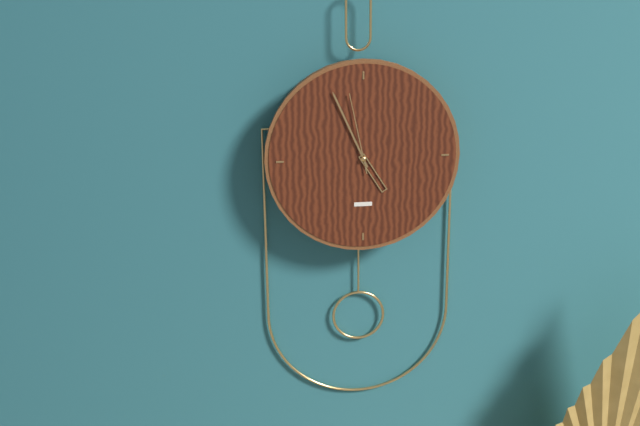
4:56:58
